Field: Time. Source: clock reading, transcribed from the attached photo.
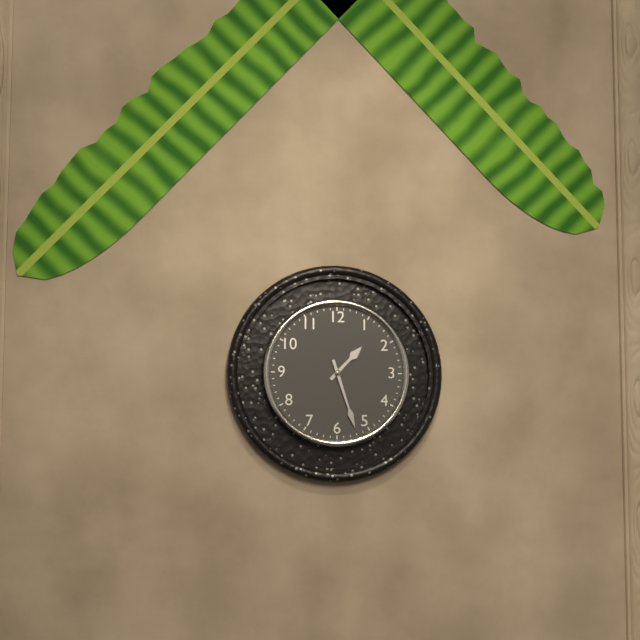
1:27
